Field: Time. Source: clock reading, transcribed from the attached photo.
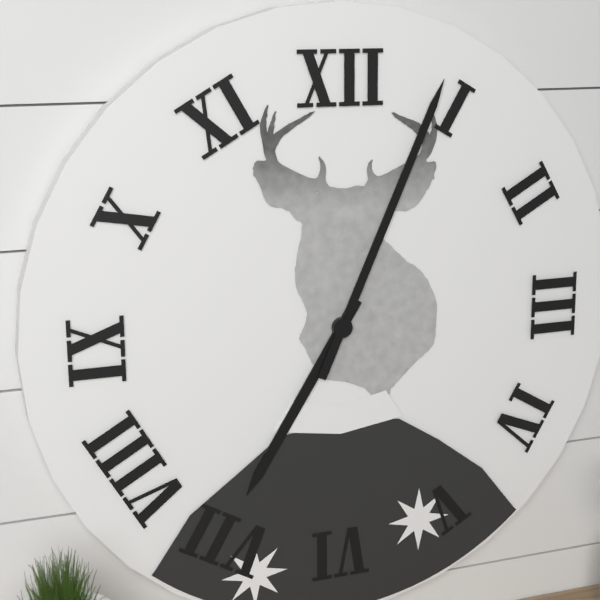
7:04
